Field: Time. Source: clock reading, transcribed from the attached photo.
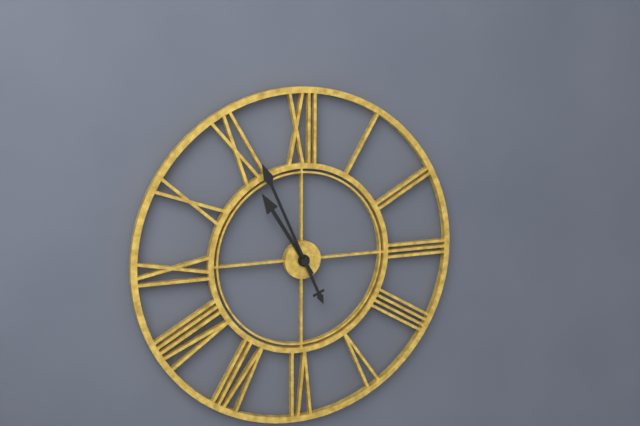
10:56
